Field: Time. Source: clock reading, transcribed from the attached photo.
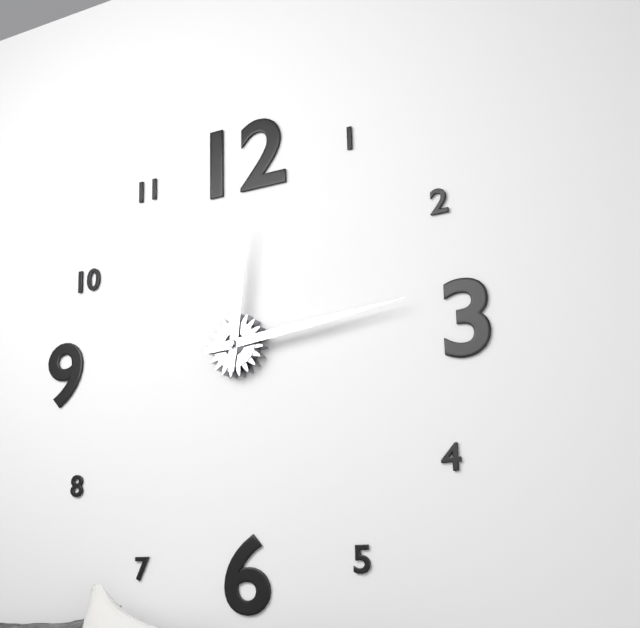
12:14
